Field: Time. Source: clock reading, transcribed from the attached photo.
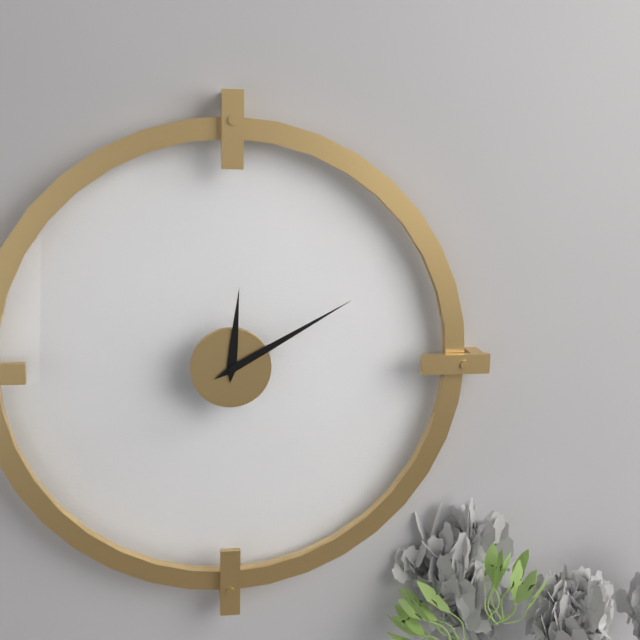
12:10
